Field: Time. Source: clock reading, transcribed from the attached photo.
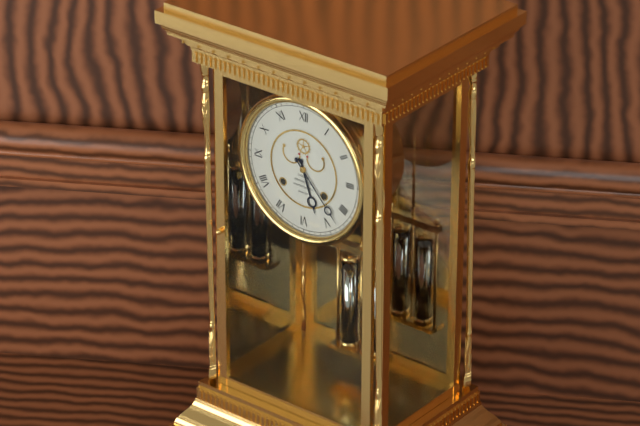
5:23
